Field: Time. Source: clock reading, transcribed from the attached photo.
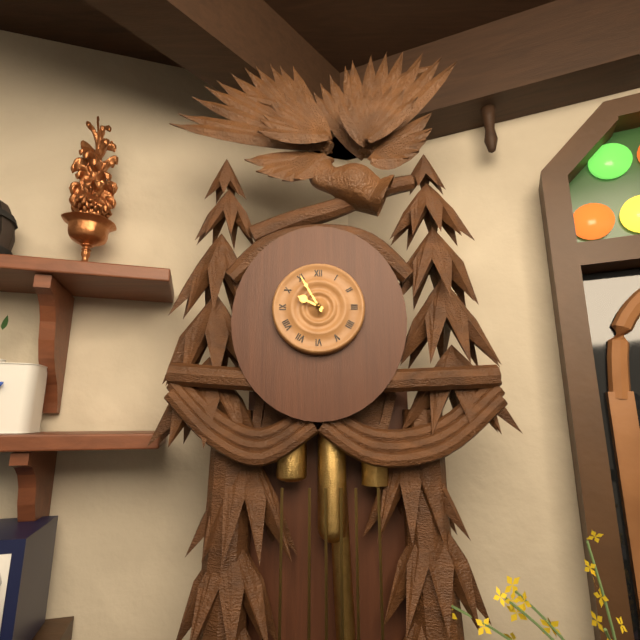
9:55
